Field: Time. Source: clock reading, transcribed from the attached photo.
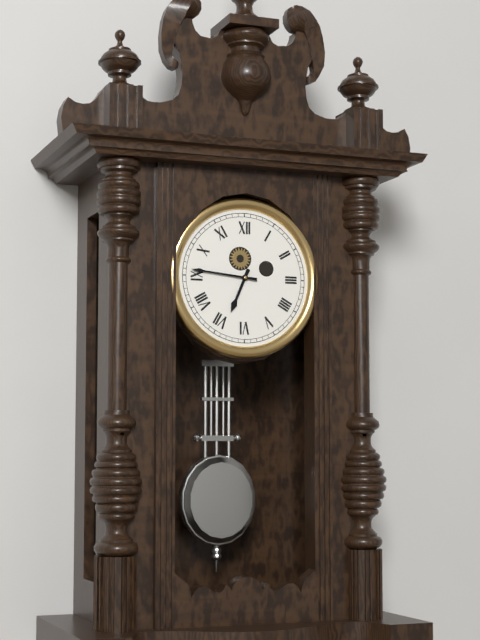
6:46
